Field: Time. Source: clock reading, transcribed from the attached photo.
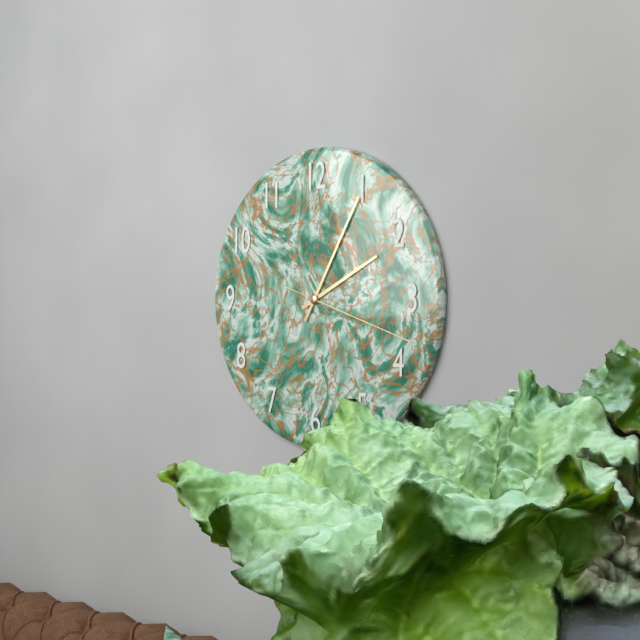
2:05:18
